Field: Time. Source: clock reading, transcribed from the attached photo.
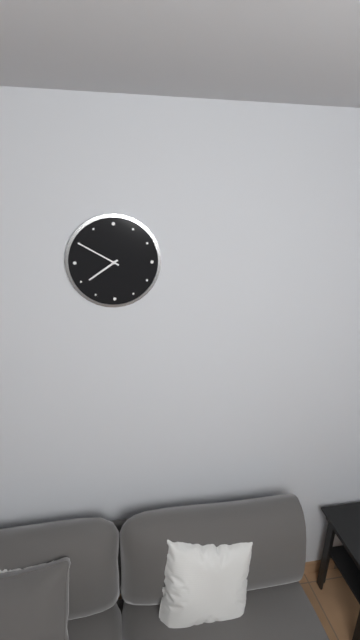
7:50
